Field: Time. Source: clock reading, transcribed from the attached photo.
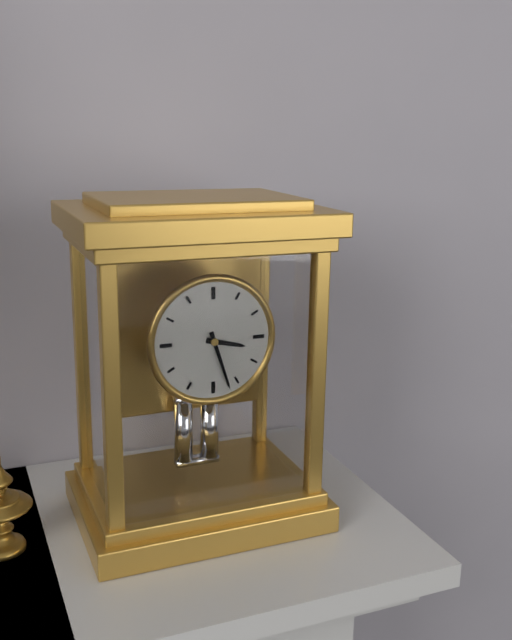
3:27
